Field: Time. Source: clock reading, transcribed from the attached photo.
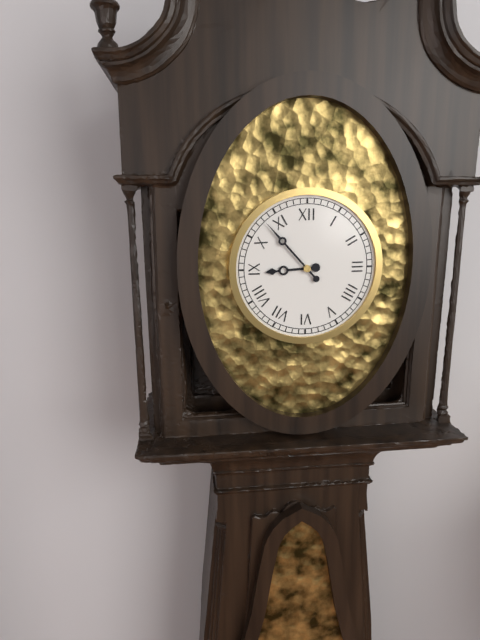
8:53
